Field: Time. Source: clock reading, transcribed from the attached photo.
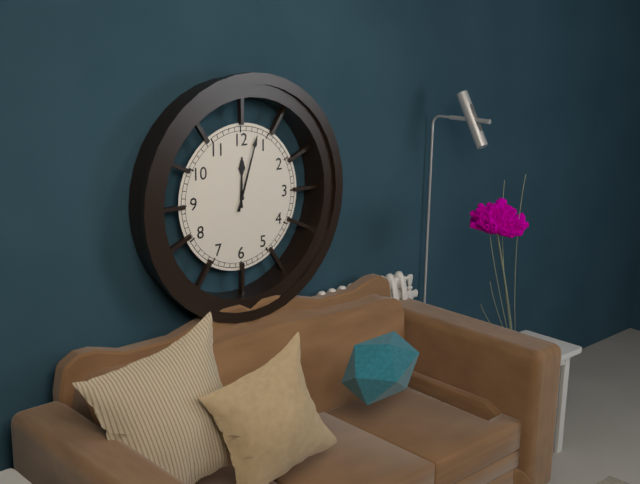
12:03
